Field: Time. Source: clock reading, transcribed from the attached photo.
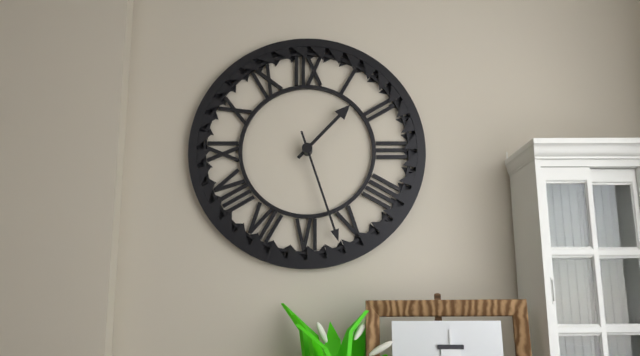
1:27
